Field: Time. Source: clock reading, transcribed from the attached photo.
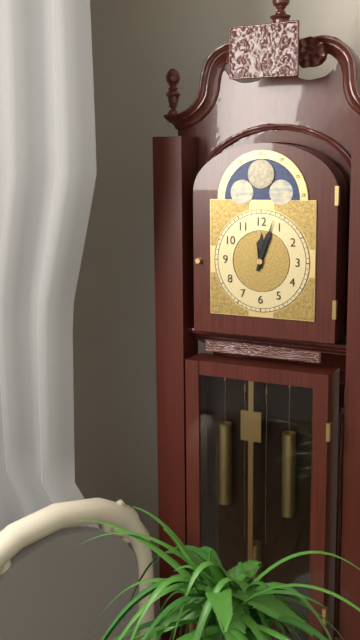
12:03
